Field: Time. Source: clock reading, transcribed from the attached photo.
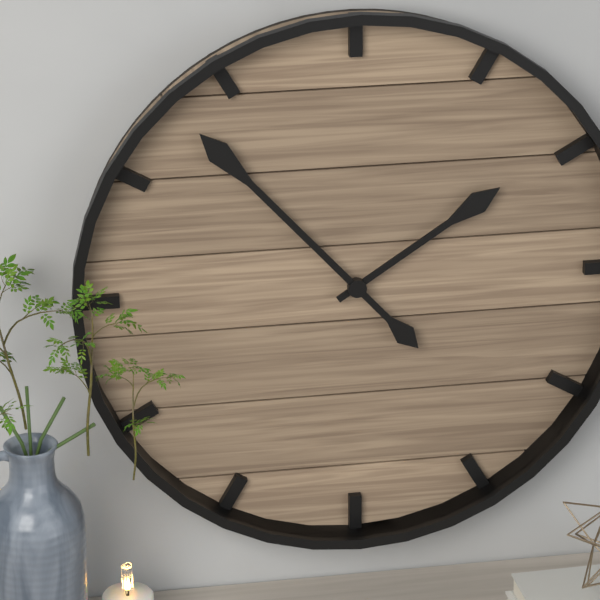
1:53
